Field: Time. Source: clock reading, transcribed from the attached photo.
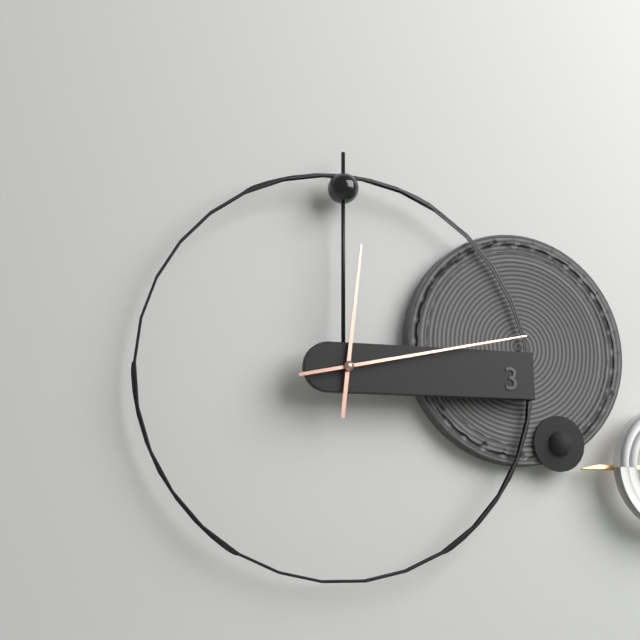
12:13
